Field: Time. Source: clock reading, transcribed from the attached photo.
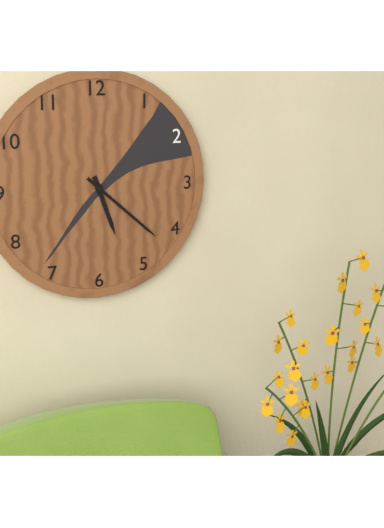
5:22
